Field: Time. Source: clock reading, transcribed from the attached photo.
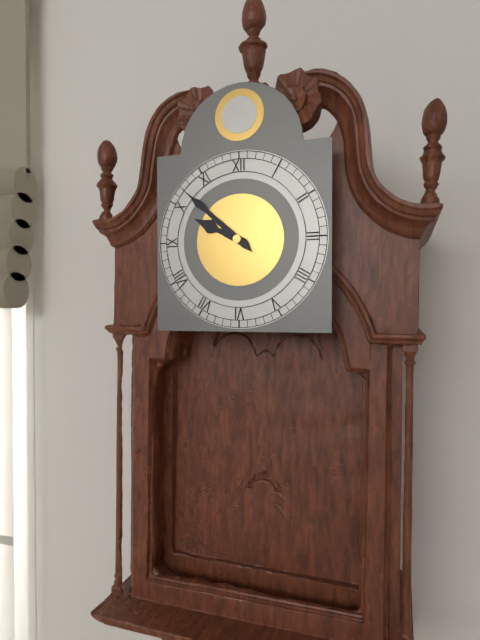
9:52
